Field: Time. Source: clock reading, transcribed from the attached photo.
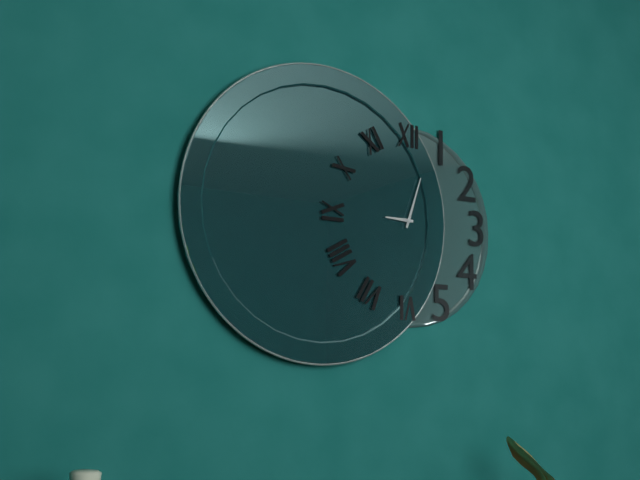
9:03
